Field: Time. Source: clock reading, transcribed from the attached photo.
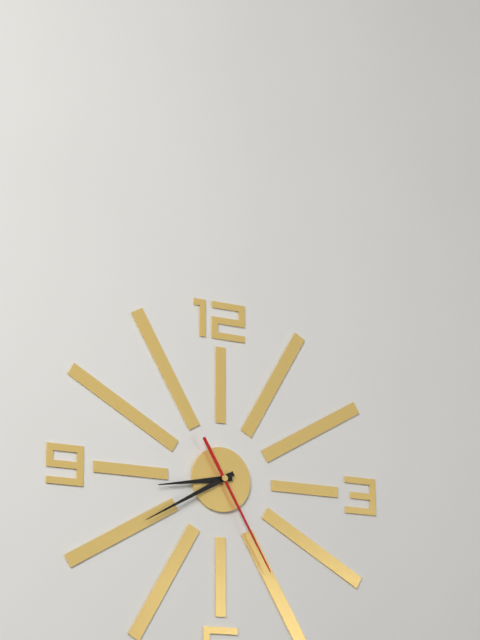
8:40:25
